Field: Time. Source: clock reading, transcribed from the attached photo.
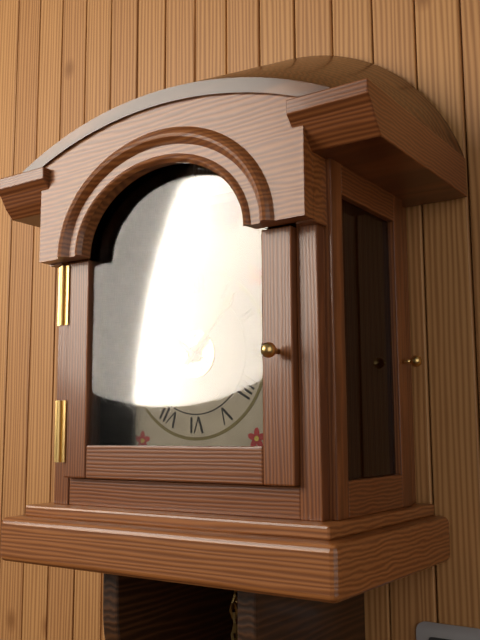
10:07
